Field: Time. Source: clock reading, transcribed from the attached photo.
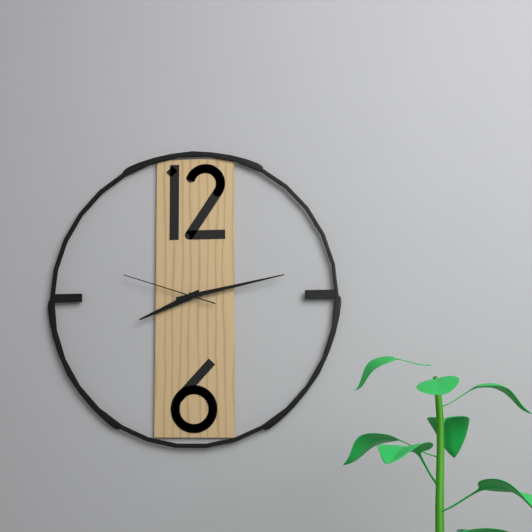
8:13:48
